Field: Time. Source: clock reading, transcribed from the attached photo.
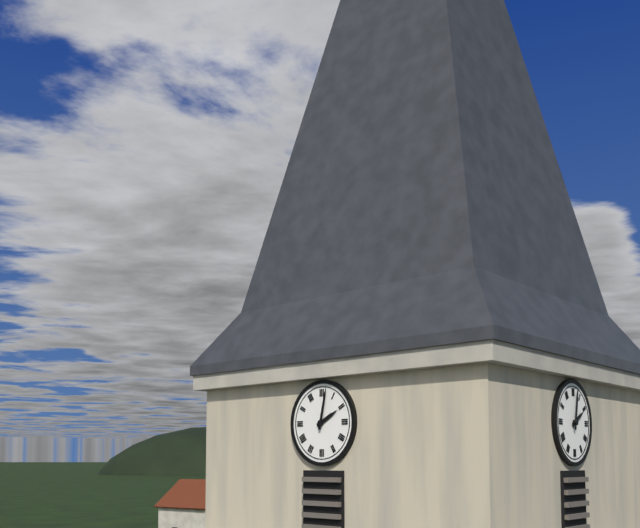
2:02
